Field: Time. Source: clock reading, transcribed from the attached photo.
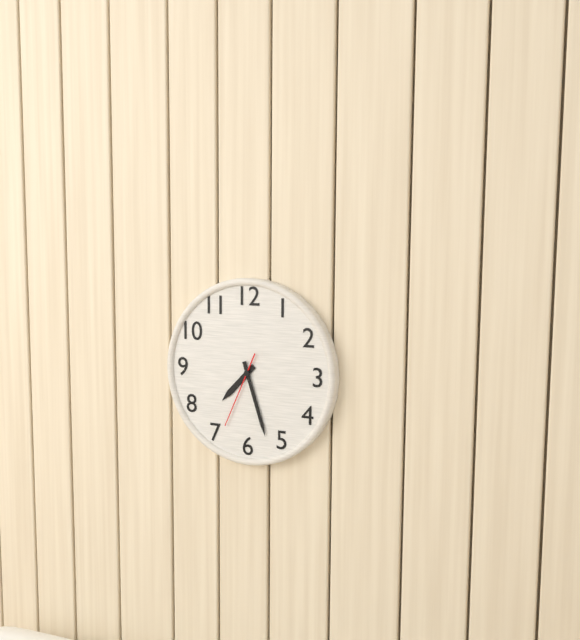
7:27:34
